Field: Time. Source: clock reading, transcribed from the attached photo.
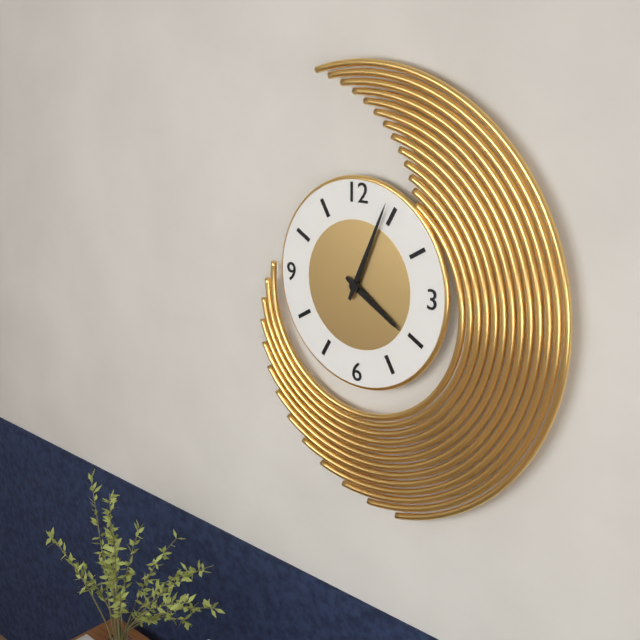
4:04
